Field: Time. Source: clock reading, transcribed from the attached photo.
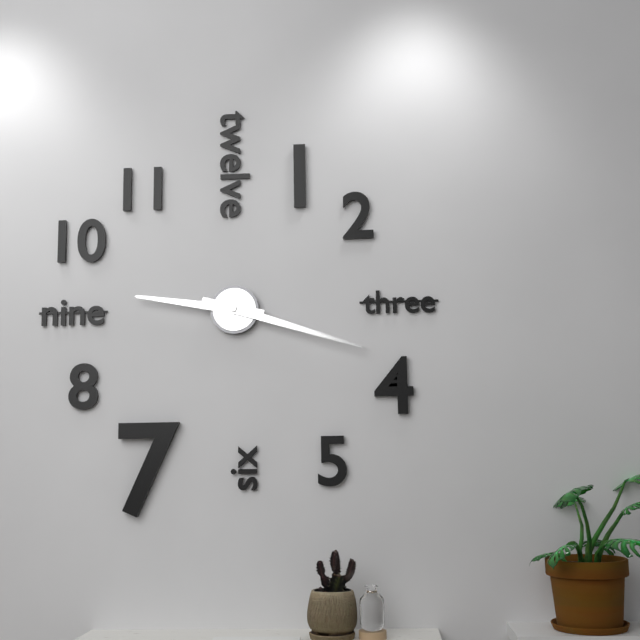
9:18
